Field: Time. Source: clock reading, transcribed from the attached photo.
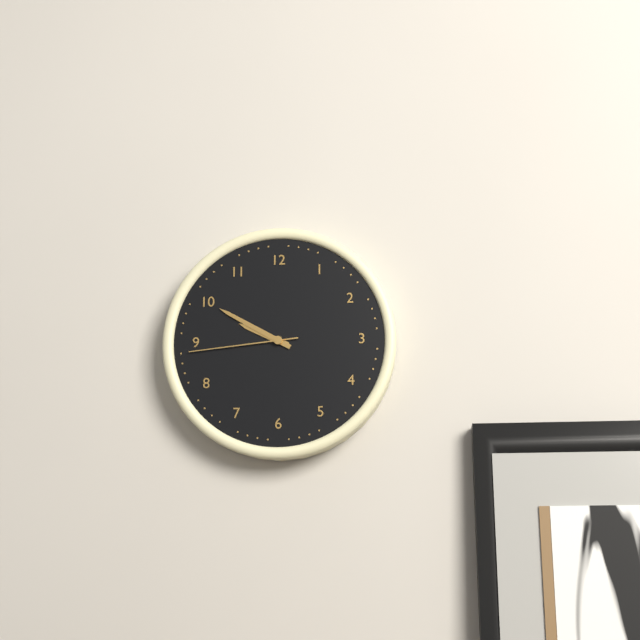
9:50:44
